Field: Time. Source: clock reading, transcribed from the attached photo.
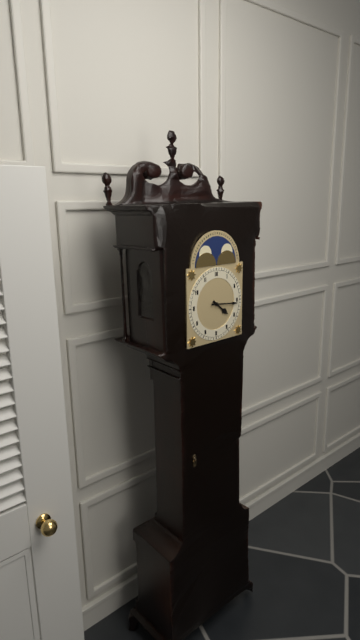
4:16
